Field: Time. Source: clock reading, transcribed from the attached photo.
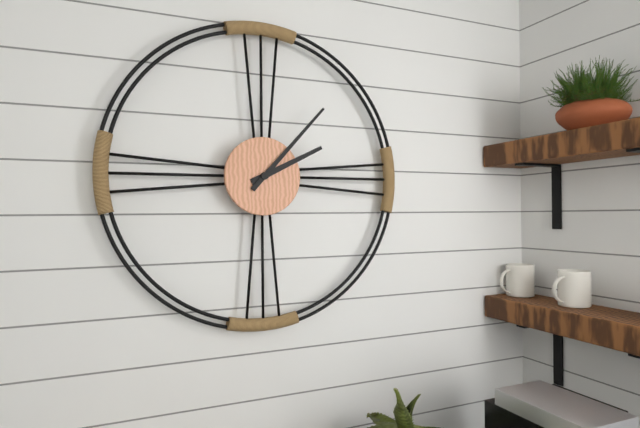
2:07
